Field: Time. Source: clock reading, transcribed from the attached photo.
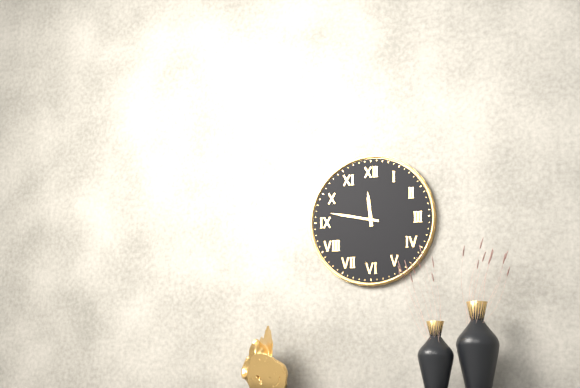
11:47
